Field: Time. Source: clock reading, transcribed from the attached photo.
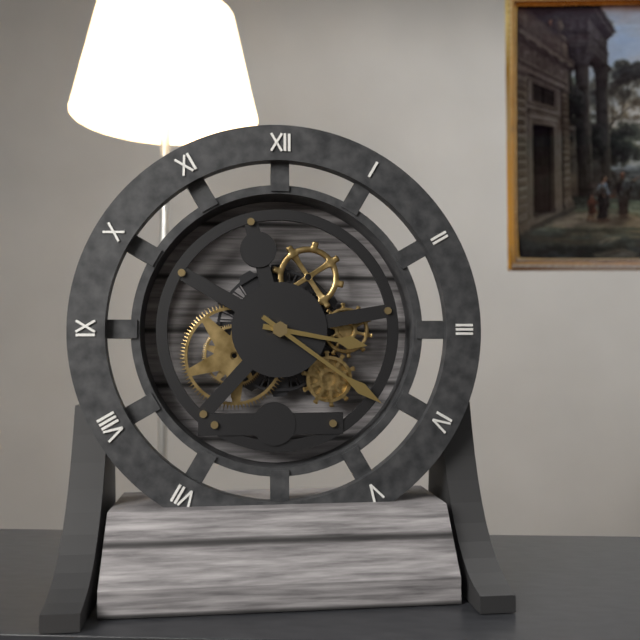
3:21
